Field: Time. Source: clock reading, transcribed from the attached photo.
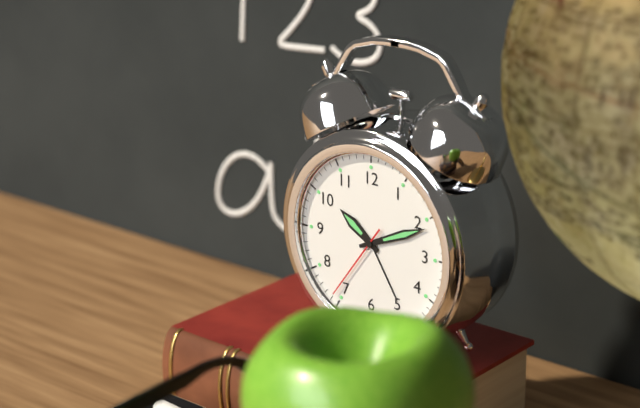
10:11:36
